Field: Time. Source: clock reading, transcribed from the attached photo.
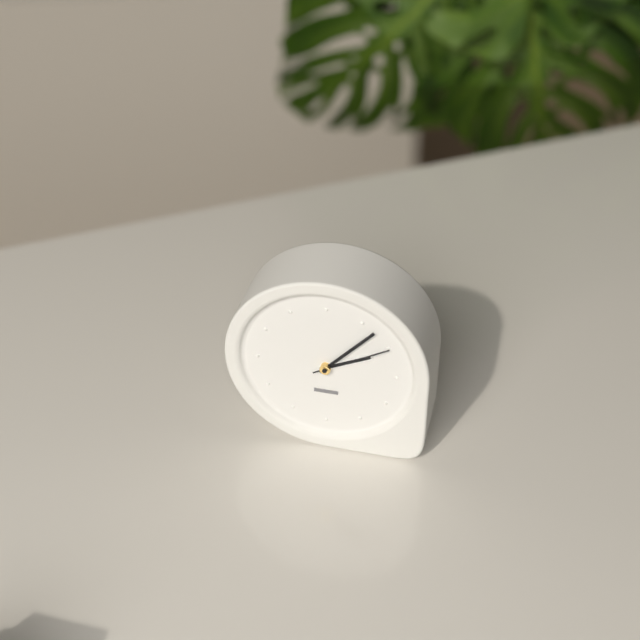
2:07:10
